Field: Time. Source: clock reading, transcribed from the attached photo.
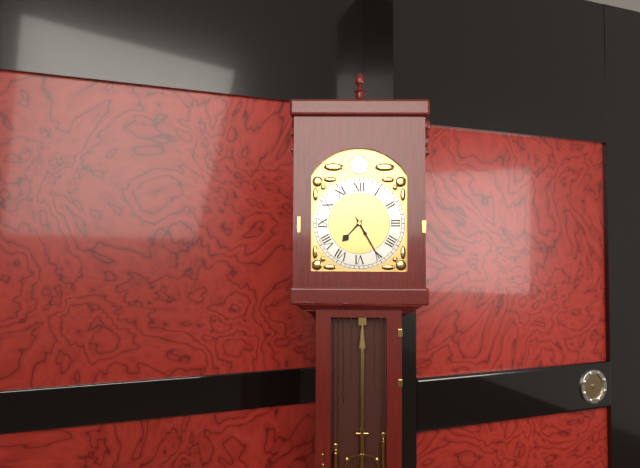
7:25
